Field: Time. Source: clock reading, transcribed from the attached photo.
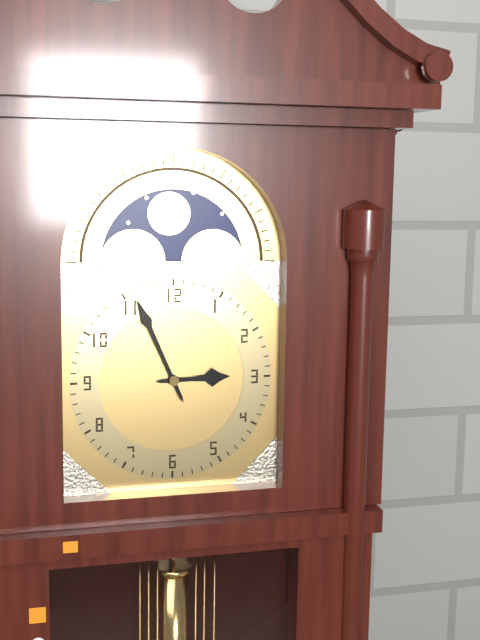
2:56
